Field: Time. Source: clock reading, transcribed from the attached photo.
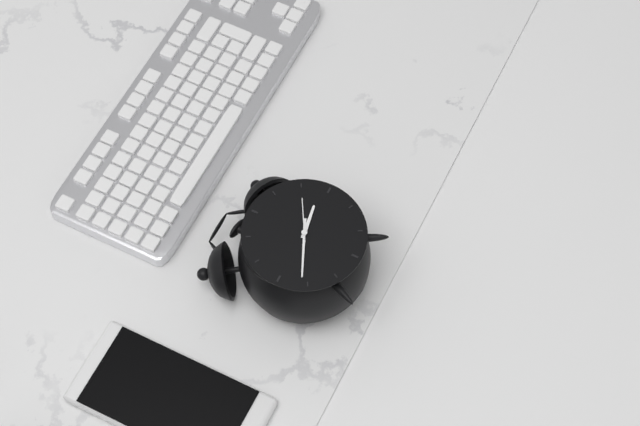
2:41
